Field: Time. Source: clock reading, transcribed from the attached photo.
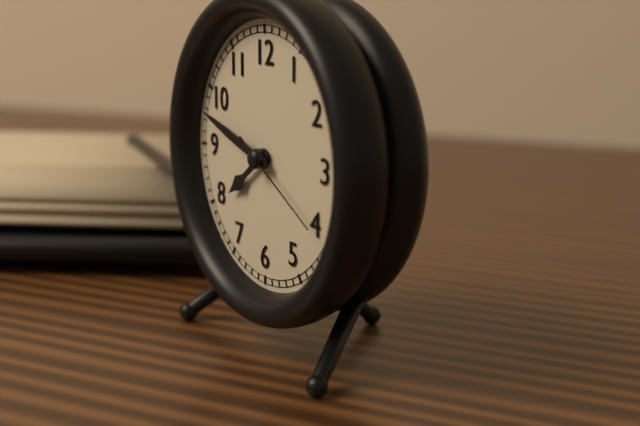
7:48:20
